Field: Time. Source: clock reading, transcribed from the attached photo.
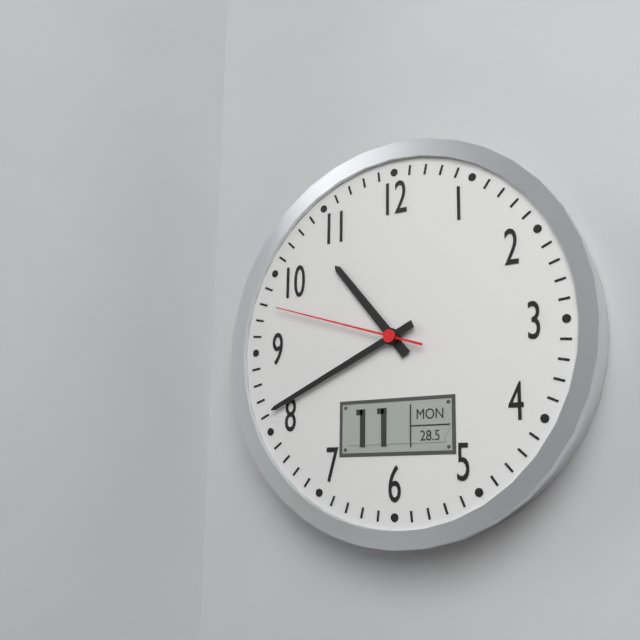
10:41:48
